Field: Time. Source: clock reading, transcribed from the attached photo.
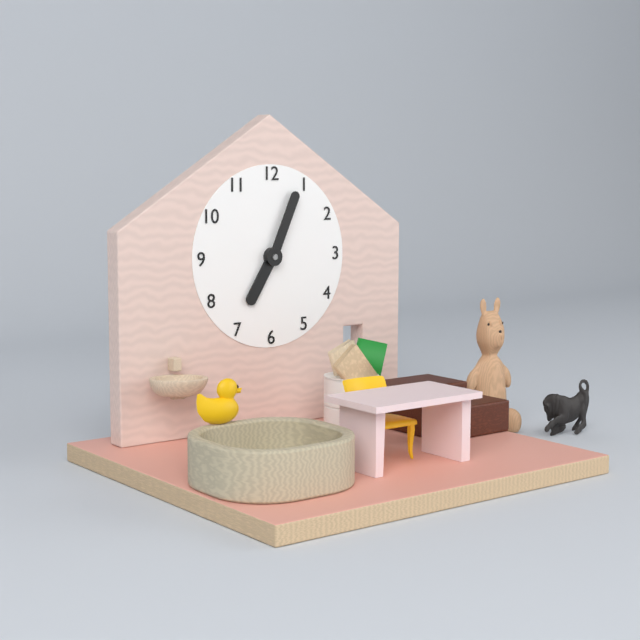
7:04
